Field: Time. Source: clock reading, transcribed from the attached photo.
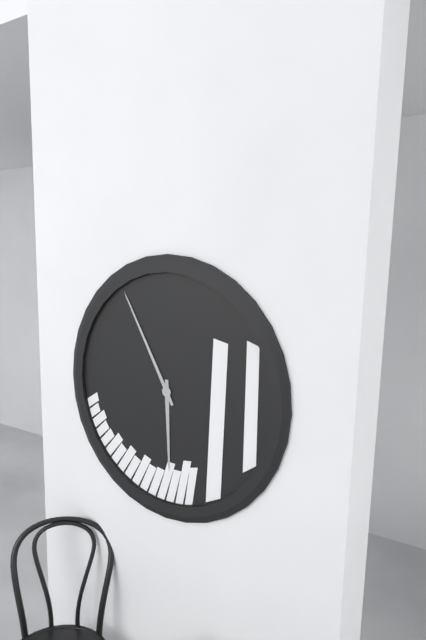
5:55
